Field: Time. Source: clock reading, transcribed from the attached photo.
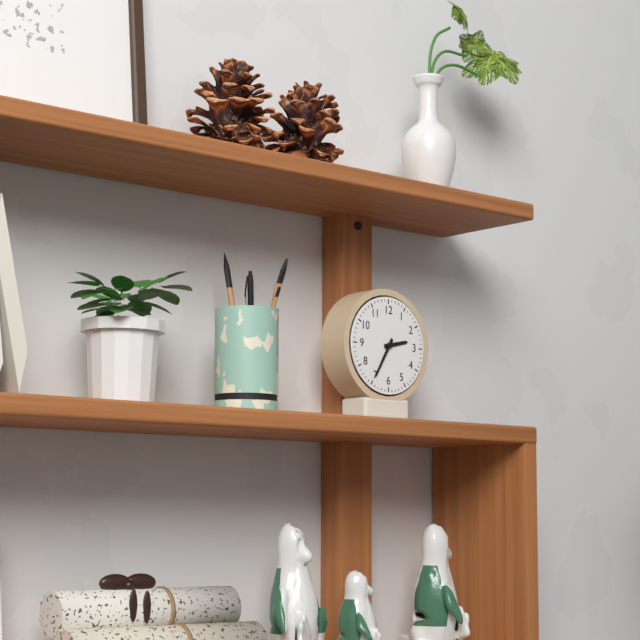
2:35
